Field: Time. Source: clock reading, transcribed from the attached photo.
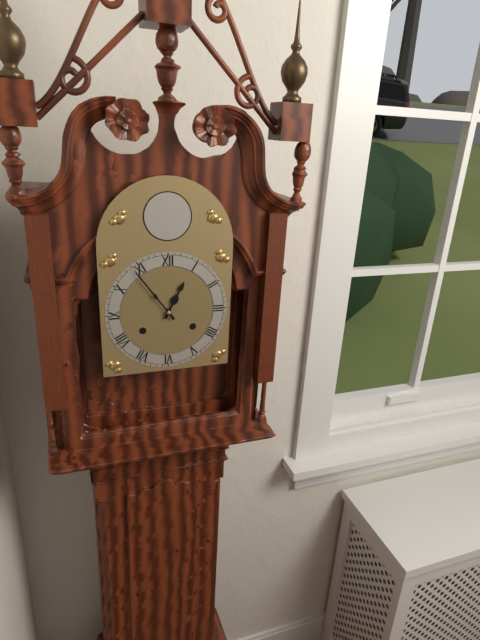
12:54
